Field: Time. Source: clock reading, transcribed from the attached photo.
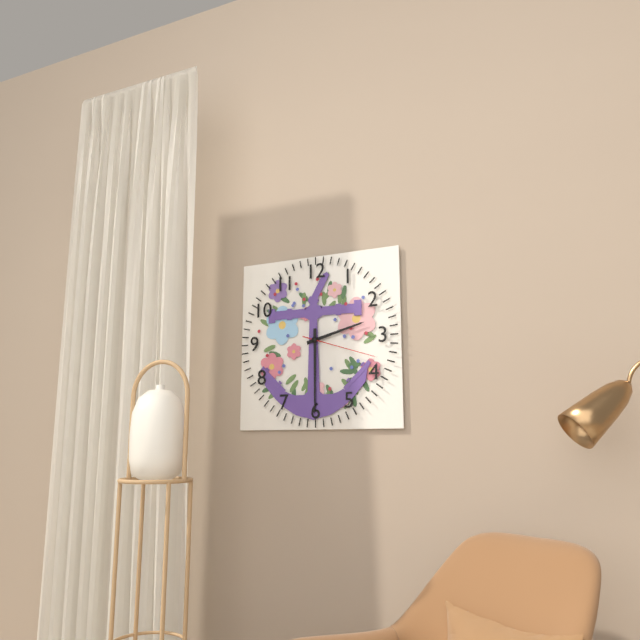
2:30:18
